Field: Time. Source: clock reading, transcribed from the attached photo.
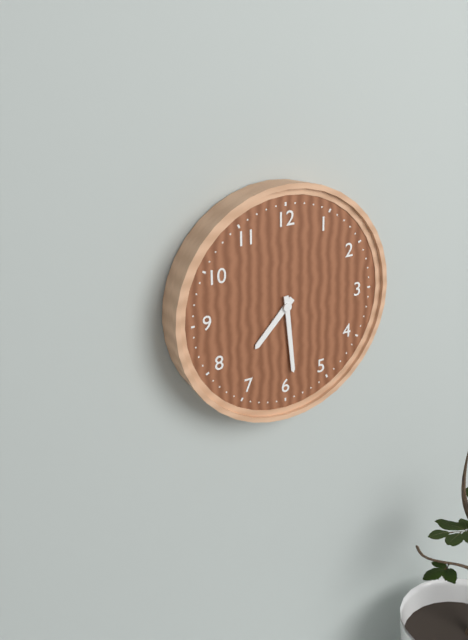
7:29
